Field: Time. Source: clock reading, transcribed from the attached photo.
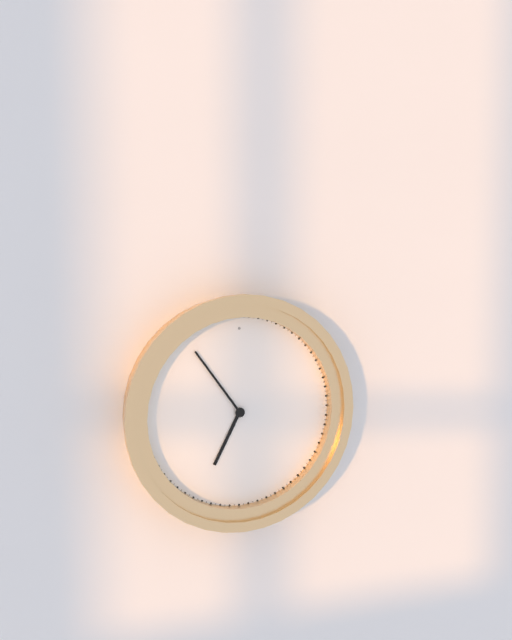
6:54
